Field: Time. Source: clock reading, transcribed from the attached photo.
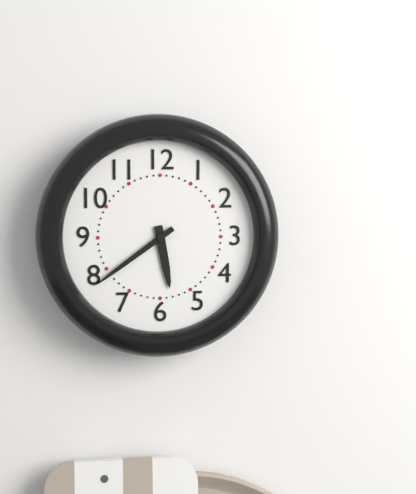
5:39
